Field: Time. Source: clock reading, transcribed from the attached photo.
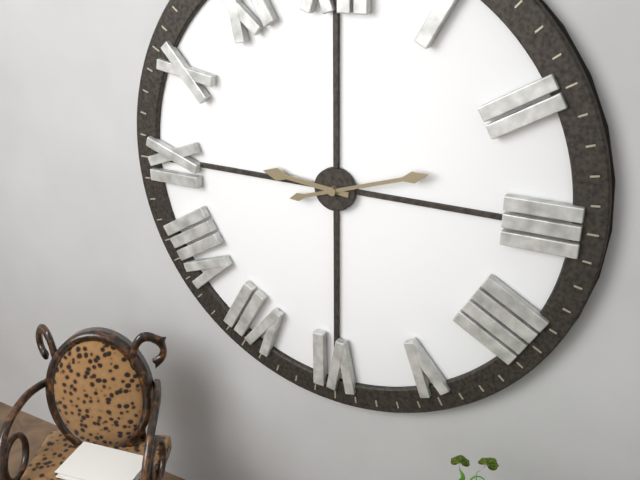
9:12
